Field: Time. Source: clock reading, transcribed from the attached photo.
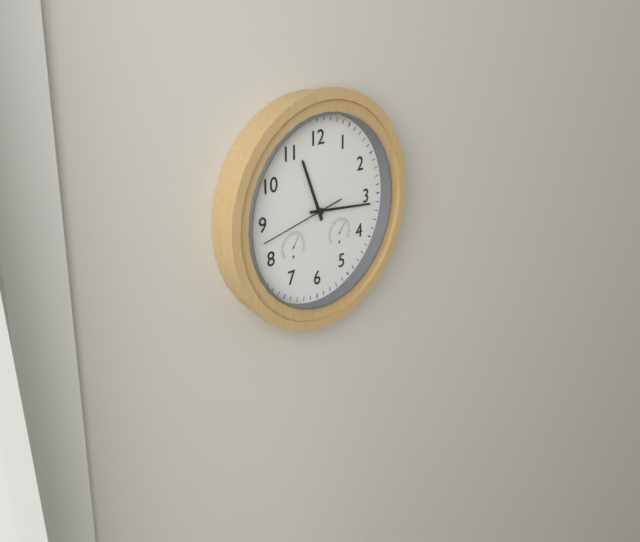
11:16:43
